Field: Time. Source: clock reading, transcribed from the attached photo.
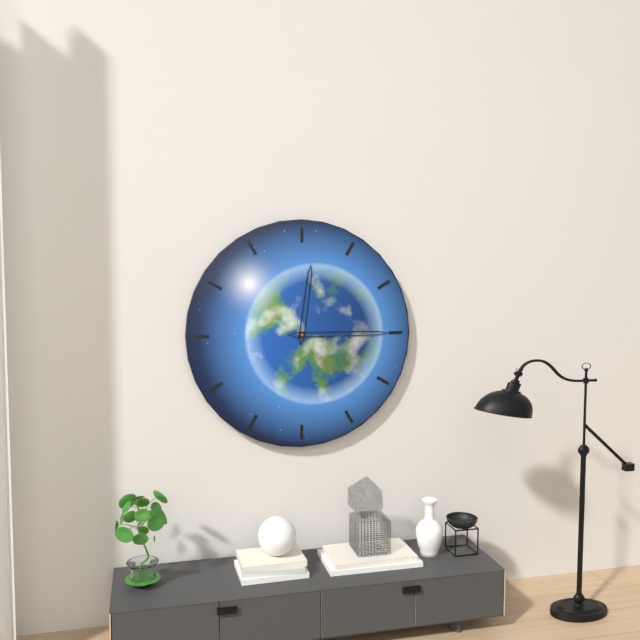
12:15
